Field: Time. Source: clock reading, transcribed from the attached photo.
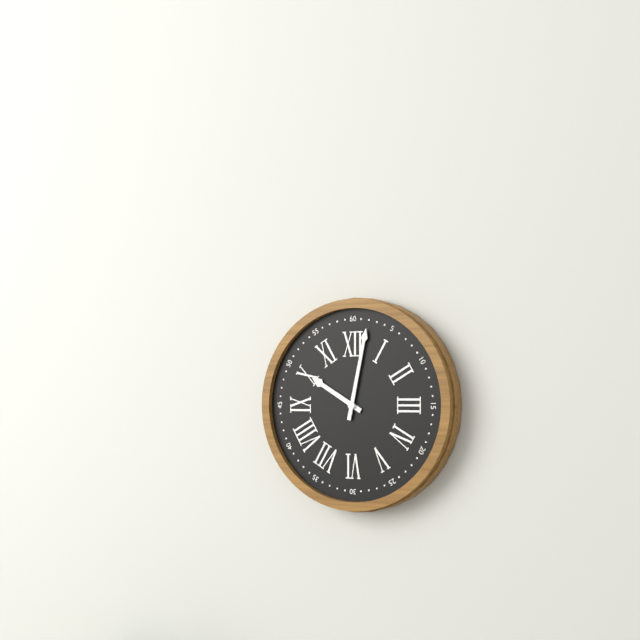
10:02
